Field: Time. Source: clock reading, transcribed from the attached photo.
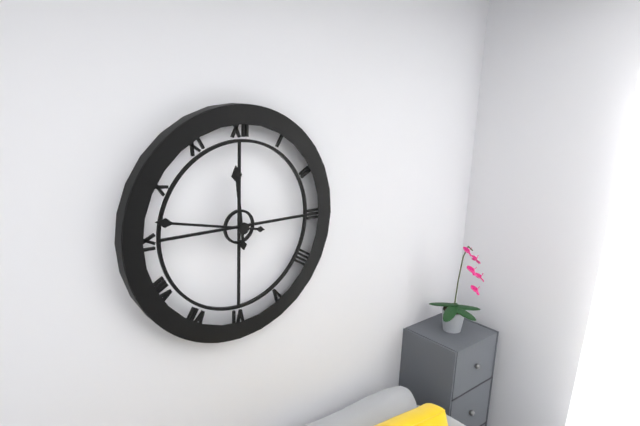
11:47
